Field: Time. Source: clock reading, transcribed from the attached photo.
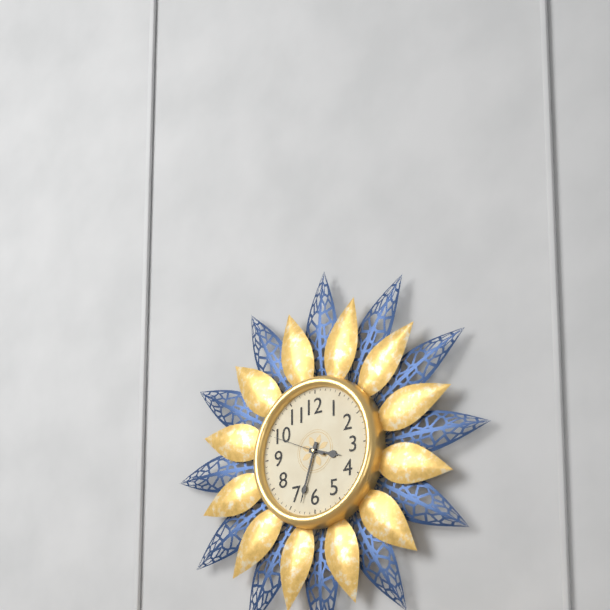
3:33:49
